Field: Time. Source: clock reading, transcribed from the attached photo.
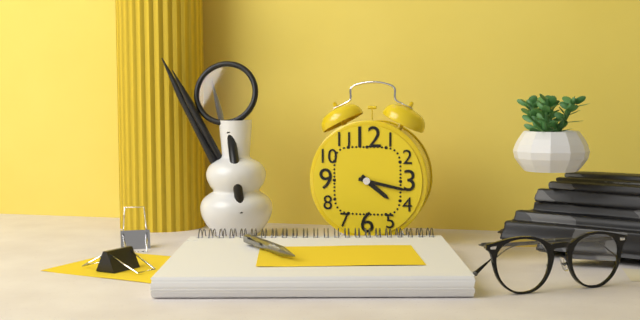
4:17
